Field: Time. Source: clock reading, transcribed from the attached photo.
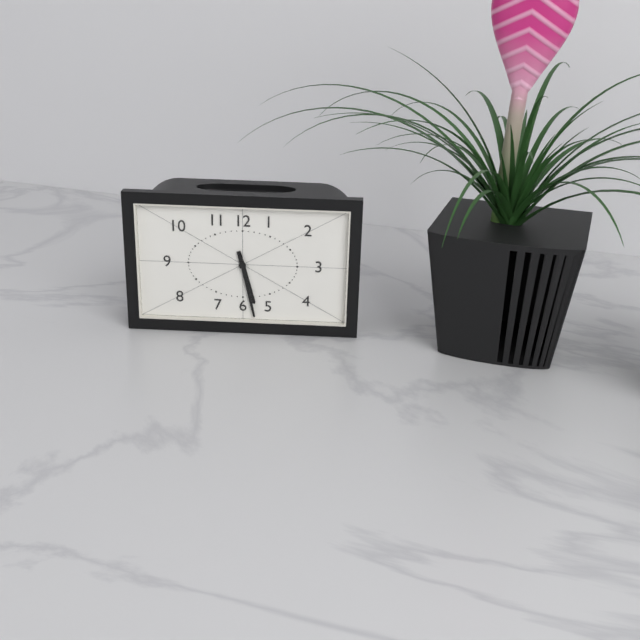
5:28
